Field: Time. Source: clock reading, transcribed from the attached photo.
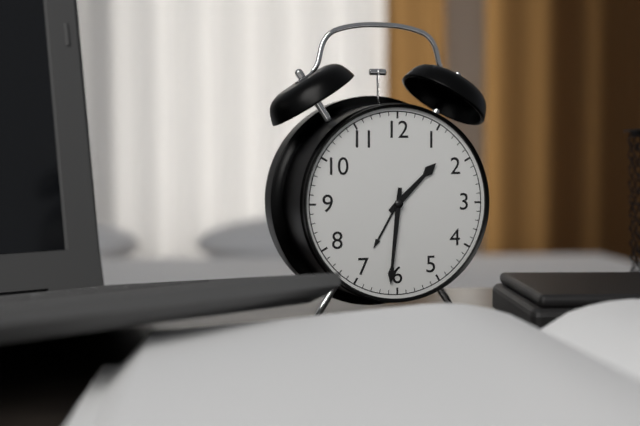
1:31
